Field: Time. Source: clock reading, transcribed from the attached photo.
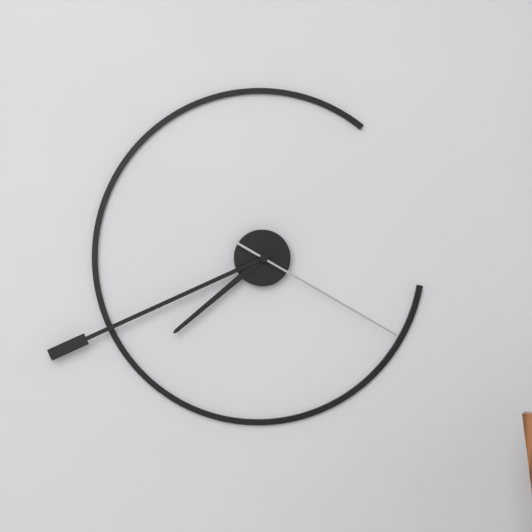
7:41:20
